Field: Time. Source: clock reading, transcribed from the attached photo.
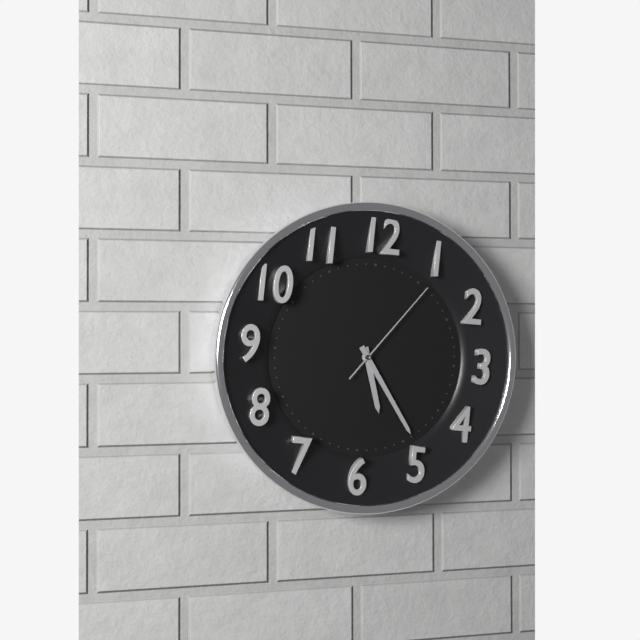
5:24:06
